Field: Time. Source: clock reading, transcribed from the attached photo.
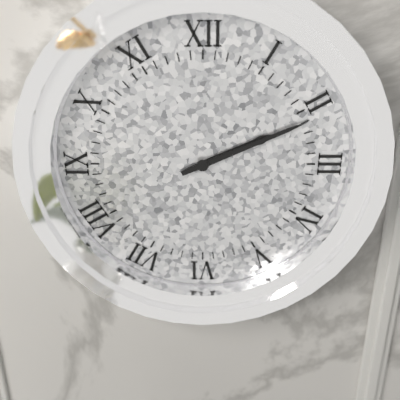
2:11
